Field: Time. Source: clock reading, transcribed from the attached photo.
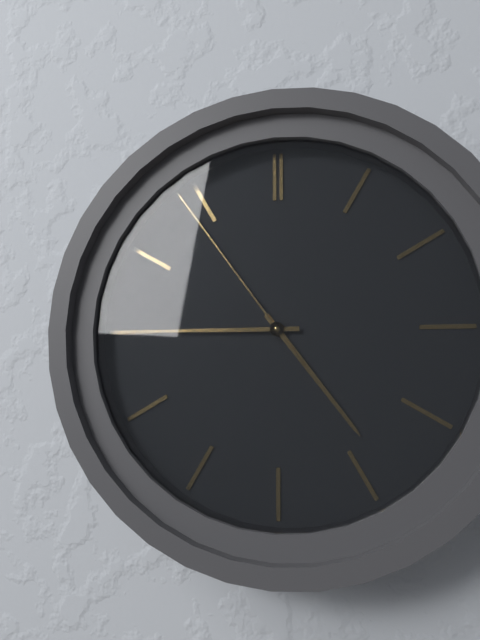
4:45:54
